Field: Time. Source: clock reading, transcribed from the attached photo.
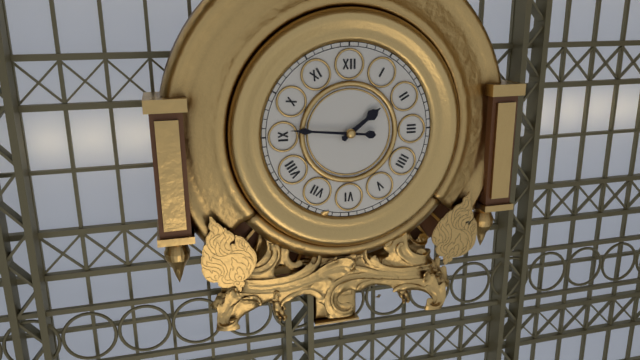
1:46
